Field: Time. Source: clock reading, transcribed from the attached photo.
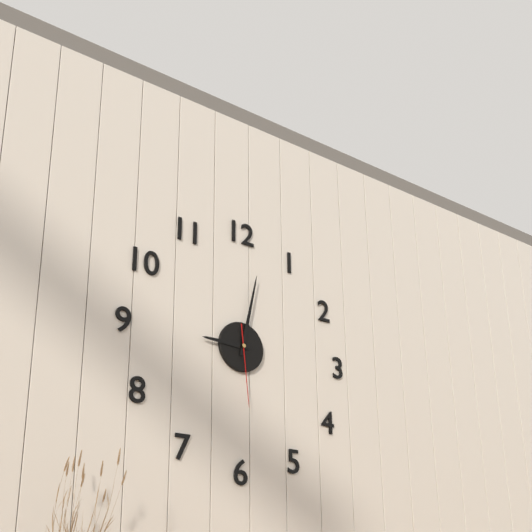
9:02:29
